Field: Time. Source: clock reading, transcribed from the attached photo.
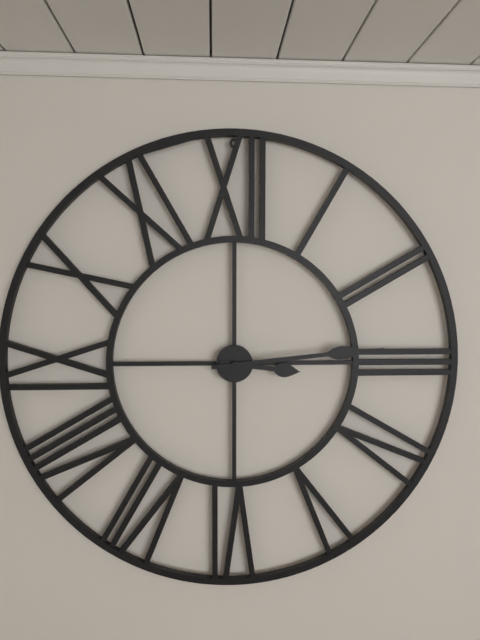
3:14
